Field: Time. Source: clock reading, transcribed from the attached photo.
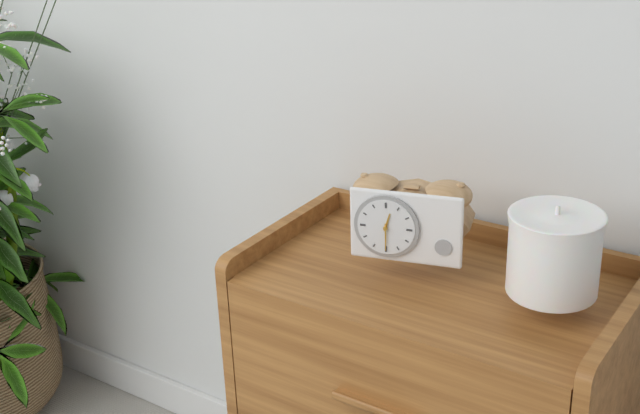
12:30
